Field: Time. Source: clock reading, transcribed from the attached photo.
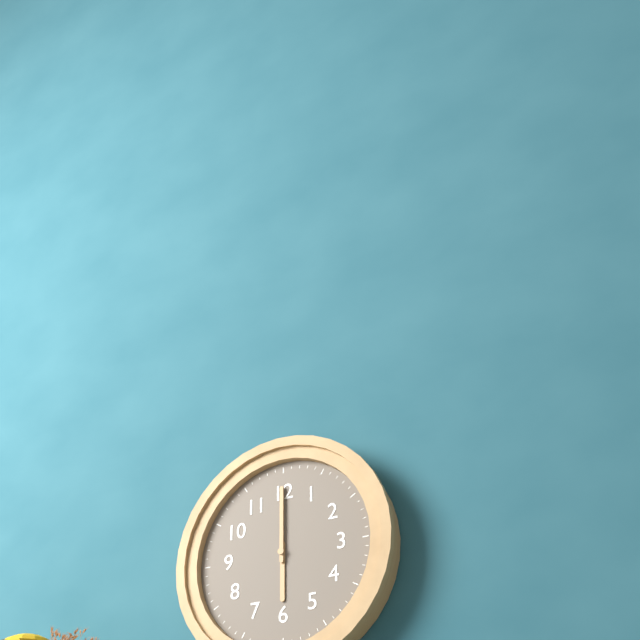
6:00
